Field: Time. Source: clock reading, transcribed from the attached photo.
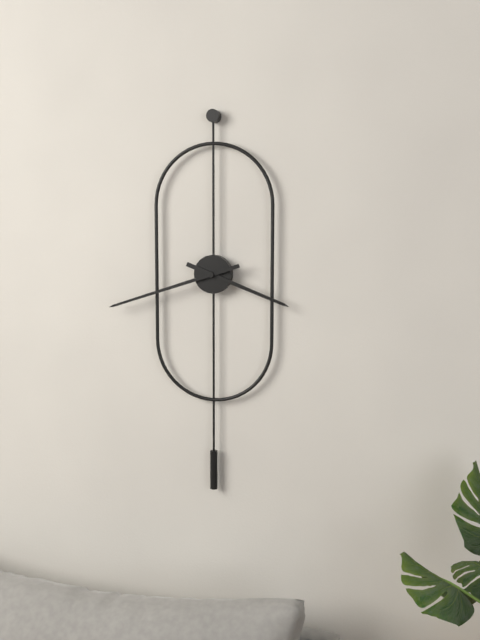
3:42
